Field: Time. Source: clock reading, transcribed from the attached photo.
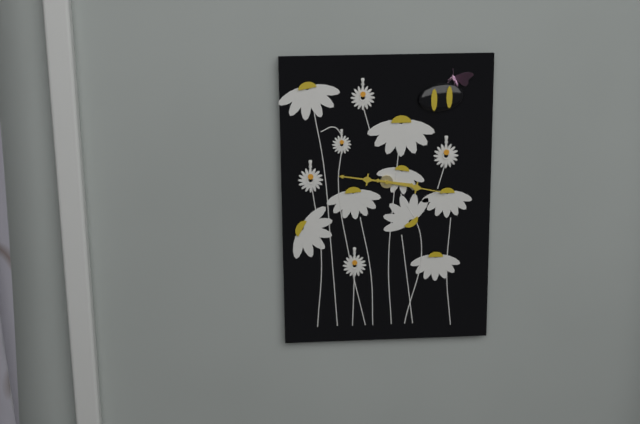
9:17
